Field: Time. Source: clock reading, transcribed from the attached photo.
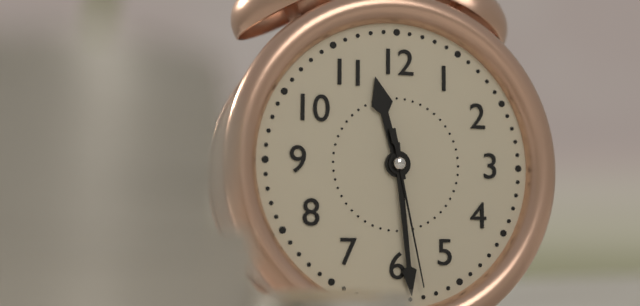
11:29:28
